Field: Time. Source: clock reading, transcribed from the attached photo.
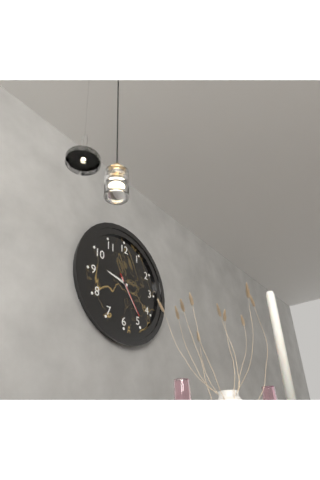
9:24
